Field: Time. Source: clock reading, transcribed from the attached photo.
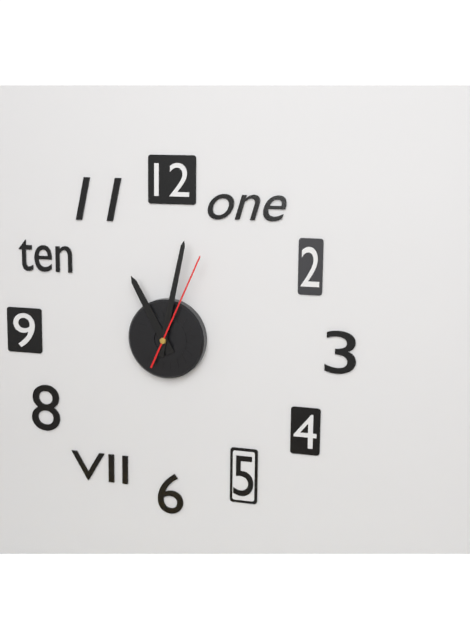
11:02:04
